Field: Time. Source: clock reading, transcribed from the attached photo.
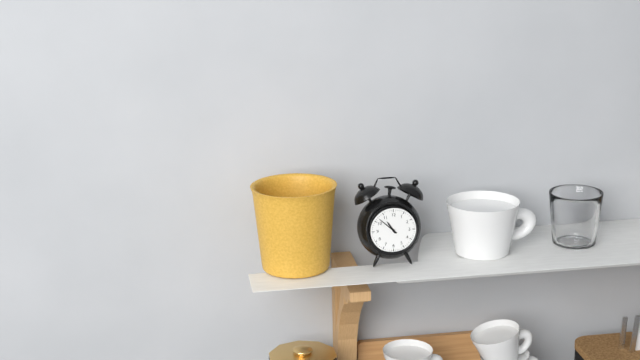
10:52
